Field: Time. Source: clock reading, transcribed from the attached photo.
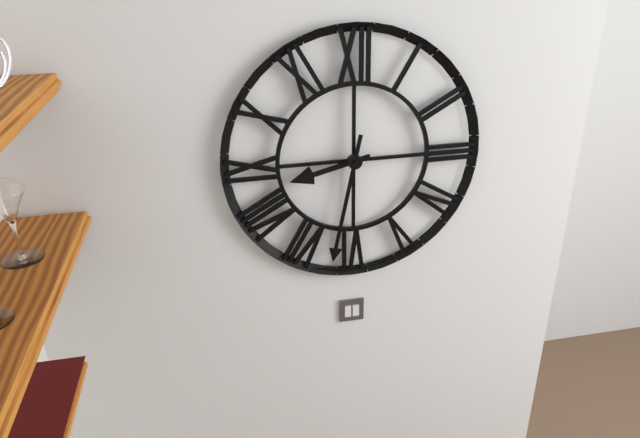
8:32
